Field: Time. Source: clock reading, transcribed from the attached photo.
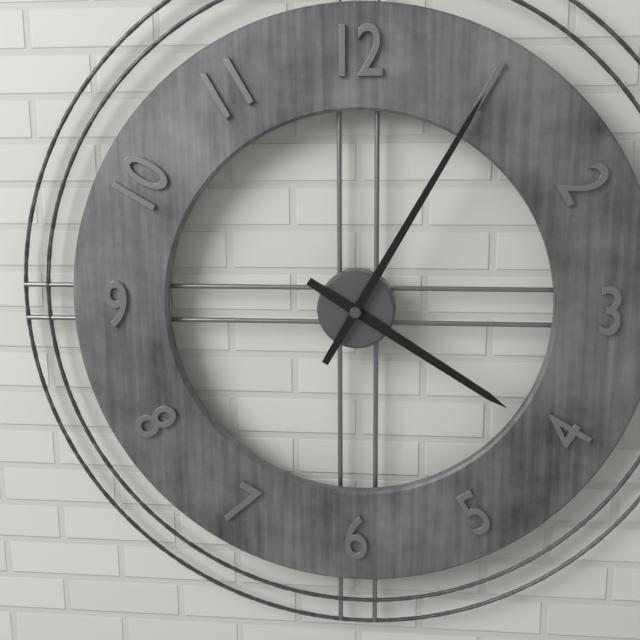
4:05
